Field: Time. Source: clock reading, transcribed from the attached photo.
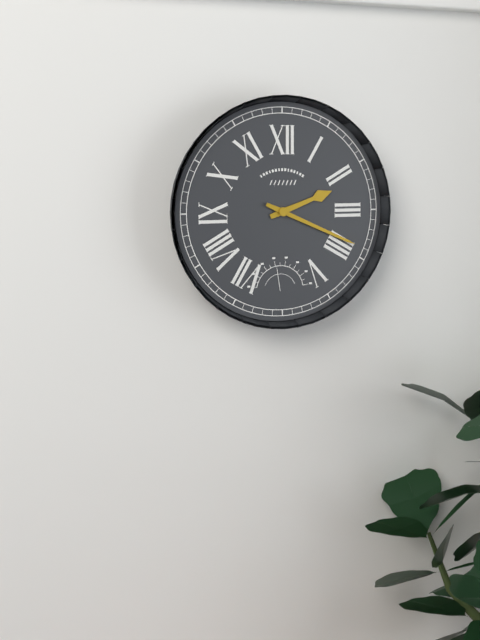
2:19
